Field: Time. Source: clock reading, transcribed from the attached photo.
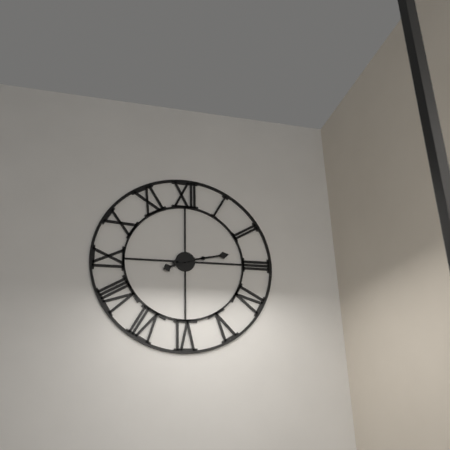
8:13
